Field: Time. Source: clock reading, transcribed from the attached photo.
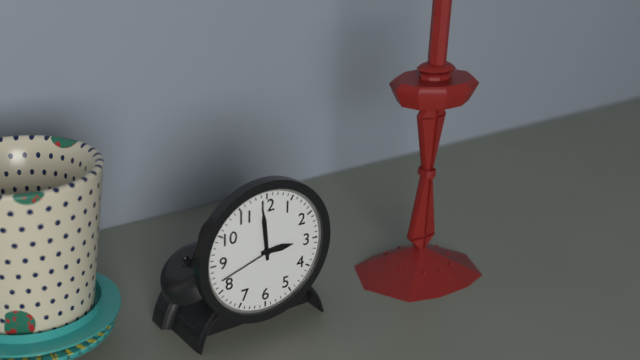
2:59:42
